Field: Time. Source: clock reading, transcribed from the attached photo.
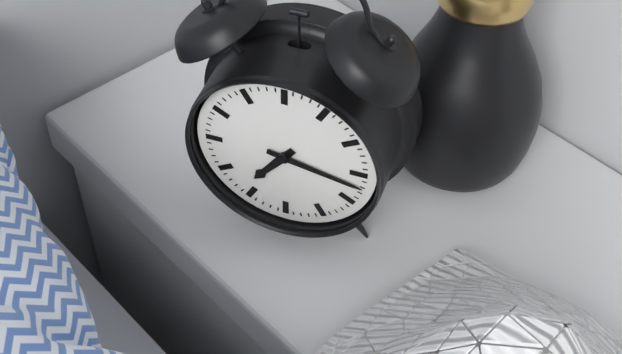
7:17
